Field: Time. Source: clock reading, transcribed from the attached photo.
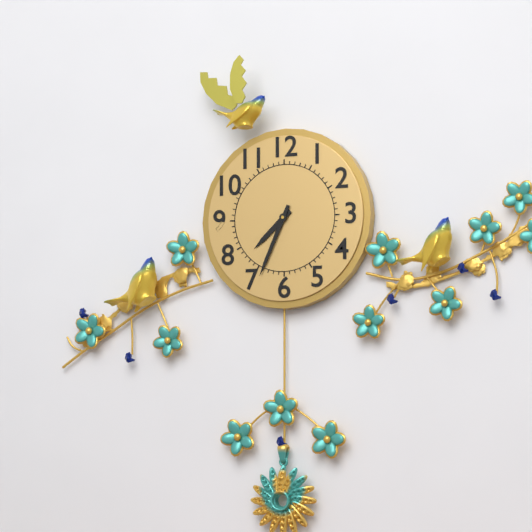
7:34
